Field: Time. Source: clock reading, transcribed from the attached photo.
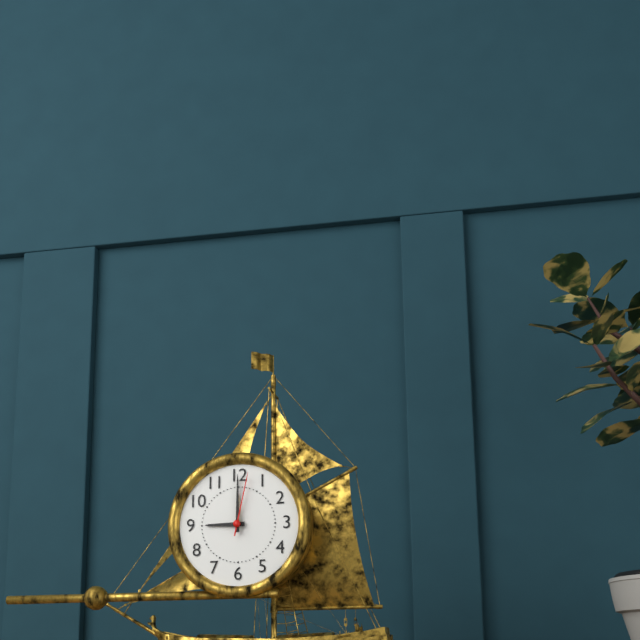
9:00:02
